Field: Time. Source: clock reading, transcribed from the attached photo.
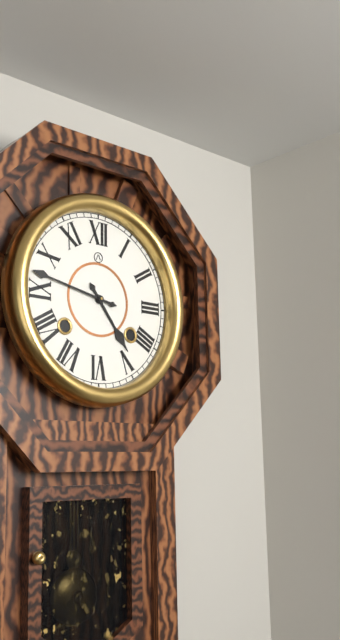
4:47
